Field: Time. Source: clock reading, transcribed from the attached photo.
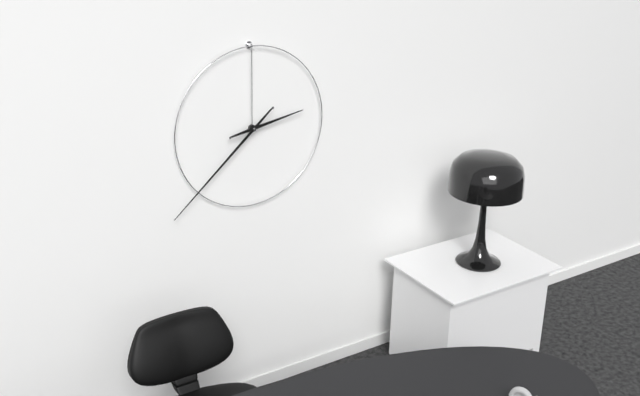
2:38
